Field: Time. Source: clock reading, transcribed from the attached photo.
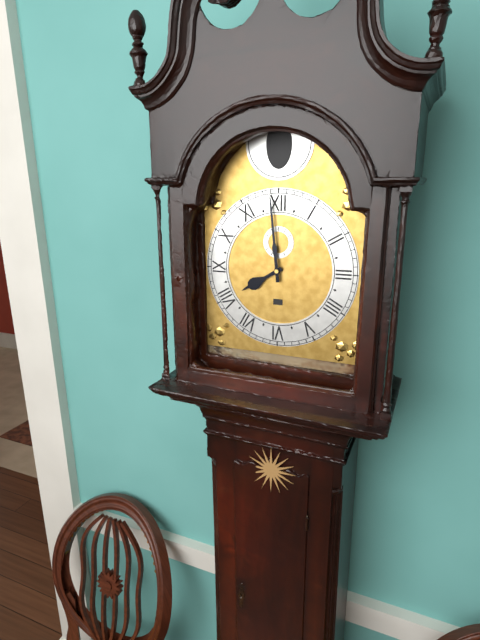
7:59
